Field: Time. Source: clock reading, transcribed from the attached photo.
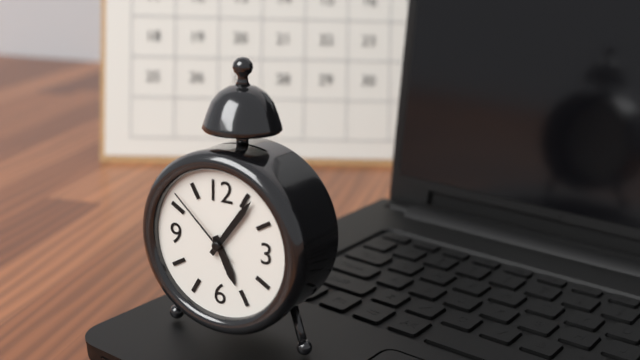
5:06:52
